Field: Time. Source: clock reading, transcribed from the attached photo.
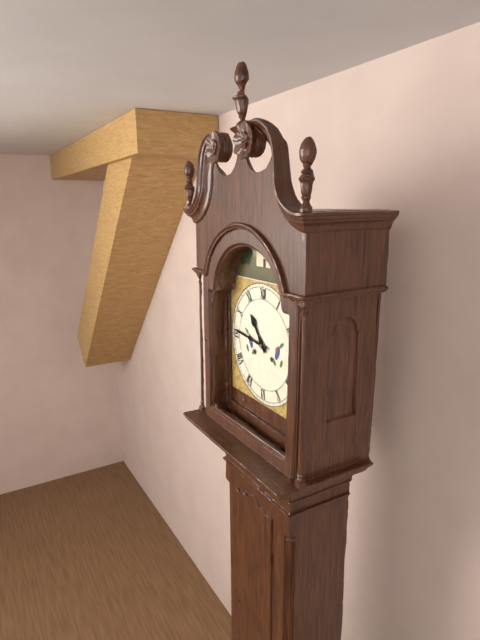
10:46
